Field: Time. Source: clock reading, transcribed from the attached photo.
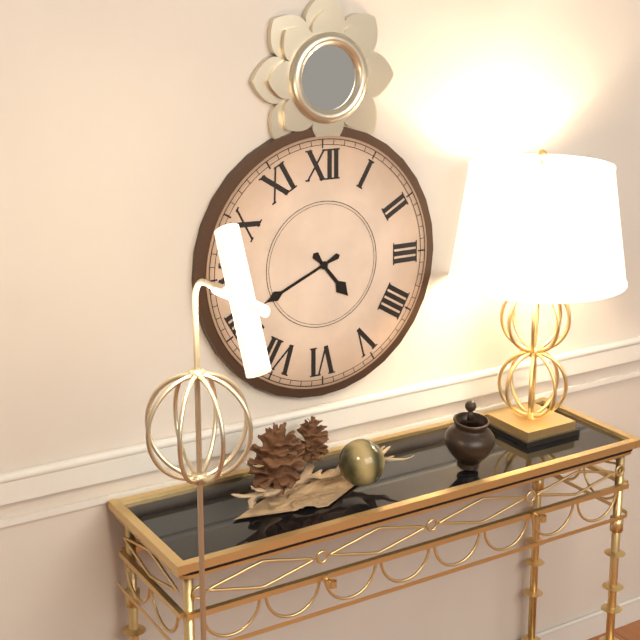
4:41
